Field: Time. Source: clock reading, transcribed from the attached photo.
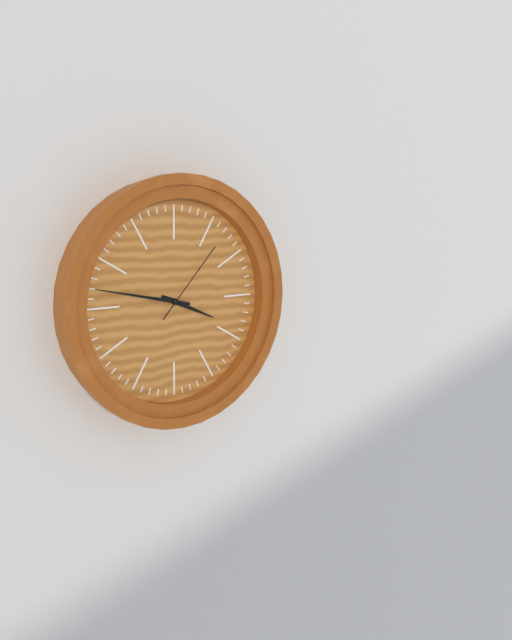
3:47:07
